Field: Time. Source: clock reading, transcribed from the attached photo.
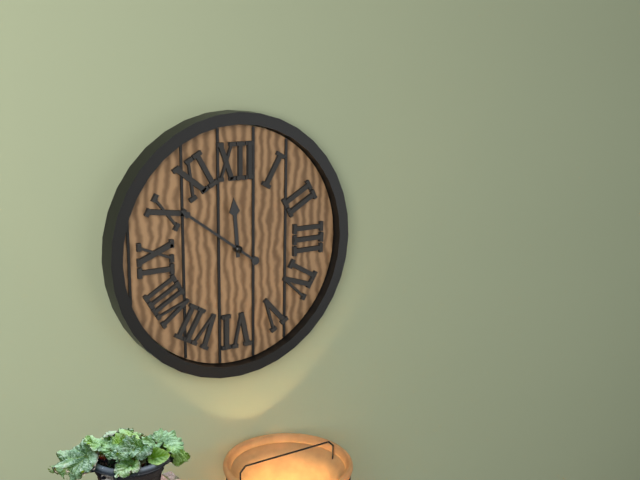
11:51
